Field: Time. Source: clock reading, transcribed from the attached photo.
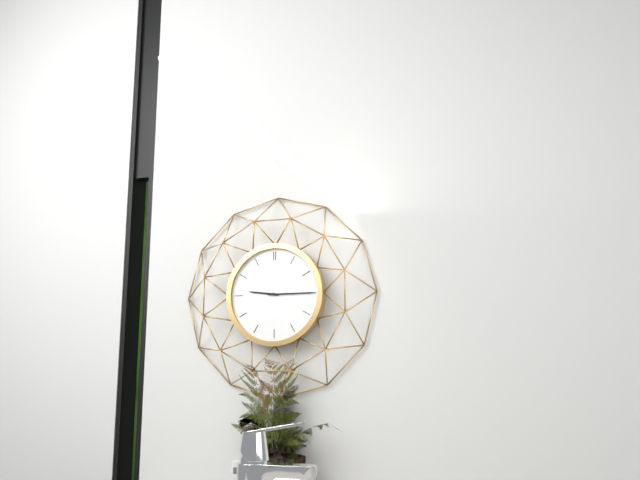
9:15
